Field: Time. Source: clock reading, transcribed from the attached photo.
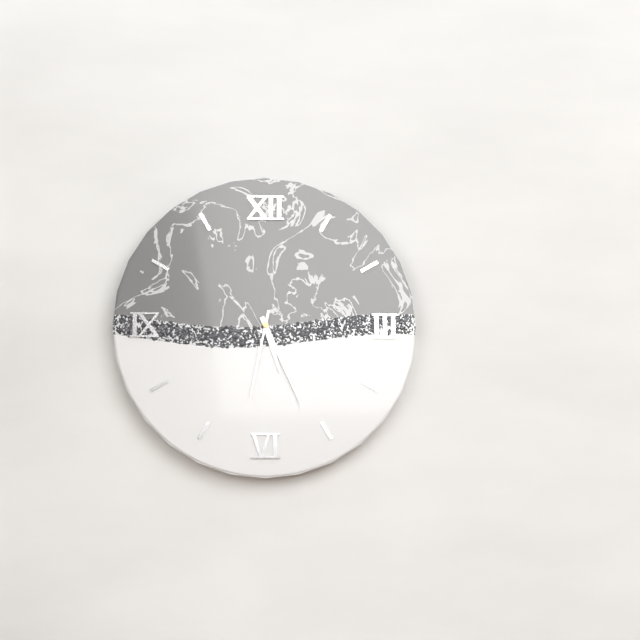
5:26:32
